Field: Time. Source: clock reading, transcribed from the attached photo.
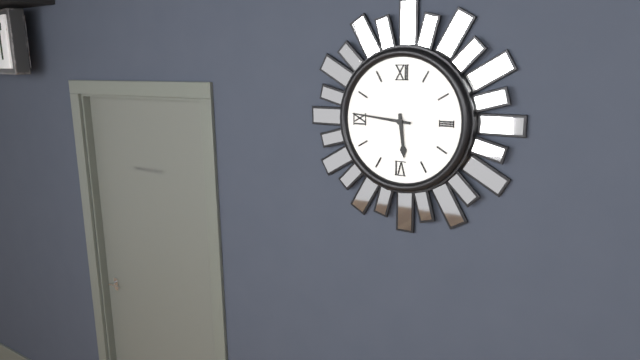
5:46
